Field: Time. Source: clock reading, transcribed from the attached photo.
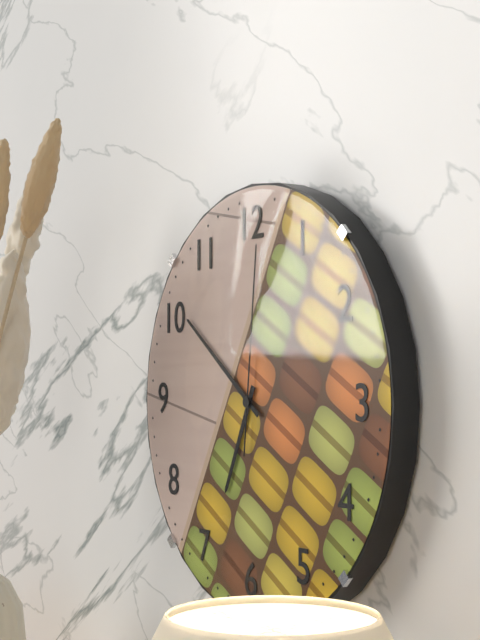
6:51:01
